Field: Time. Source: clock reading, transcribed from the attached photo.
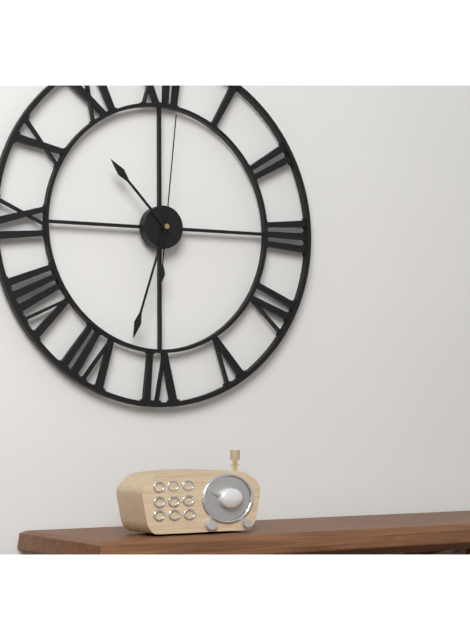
10:33:01
